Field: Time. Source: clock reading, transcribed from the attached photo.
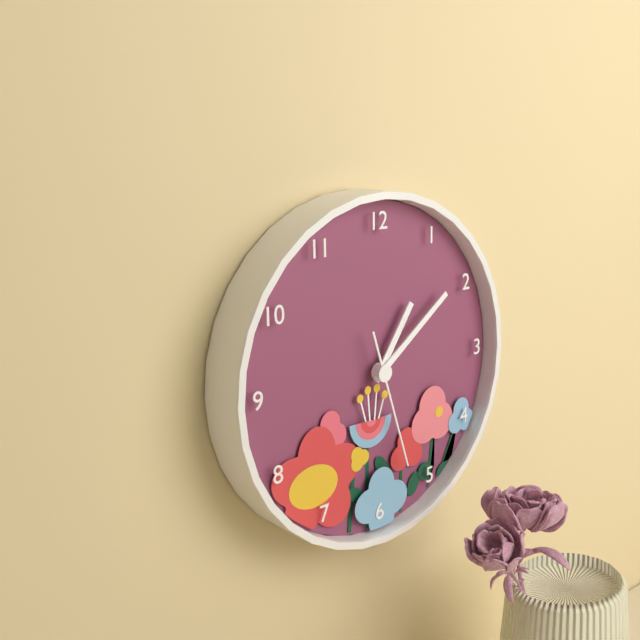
1:09:27
